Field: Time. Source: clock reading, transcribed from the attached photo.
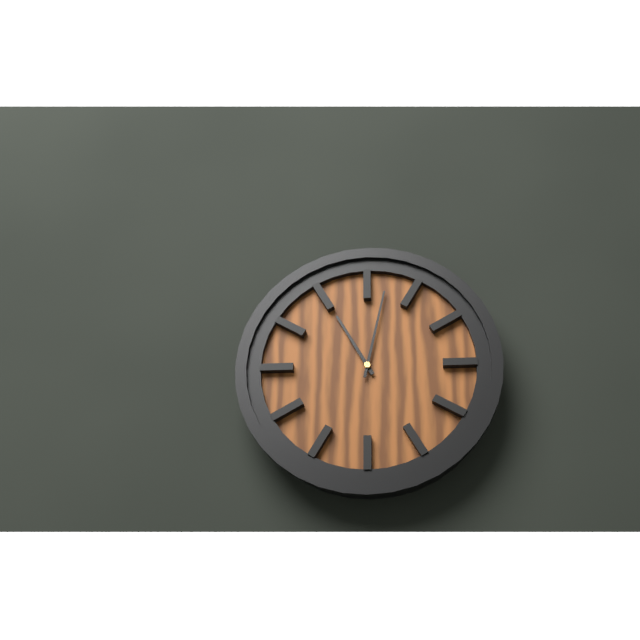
11:02
